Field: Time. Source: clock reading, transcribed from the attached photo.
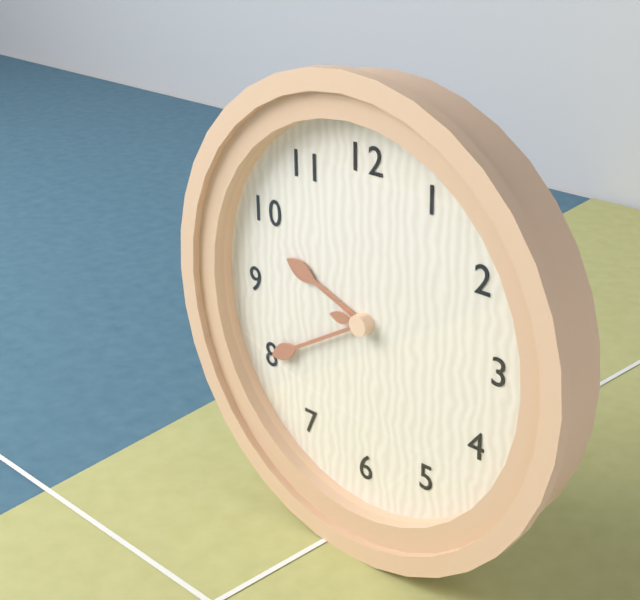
9:40
